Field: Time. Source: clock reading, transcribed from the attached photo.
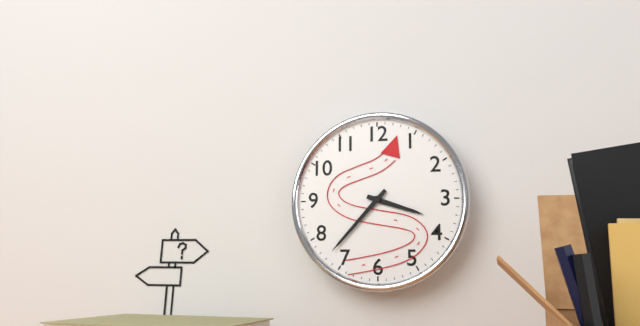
3:37
